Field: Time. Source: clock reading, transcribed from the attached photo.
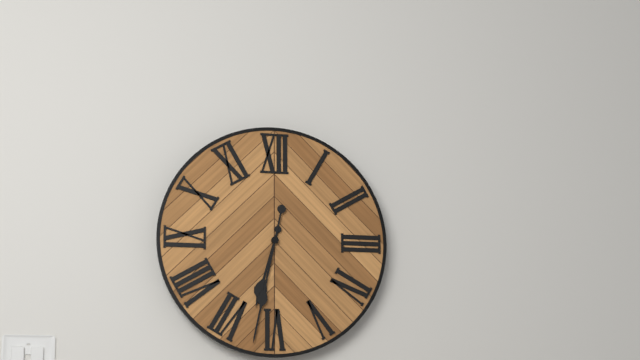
6:32
